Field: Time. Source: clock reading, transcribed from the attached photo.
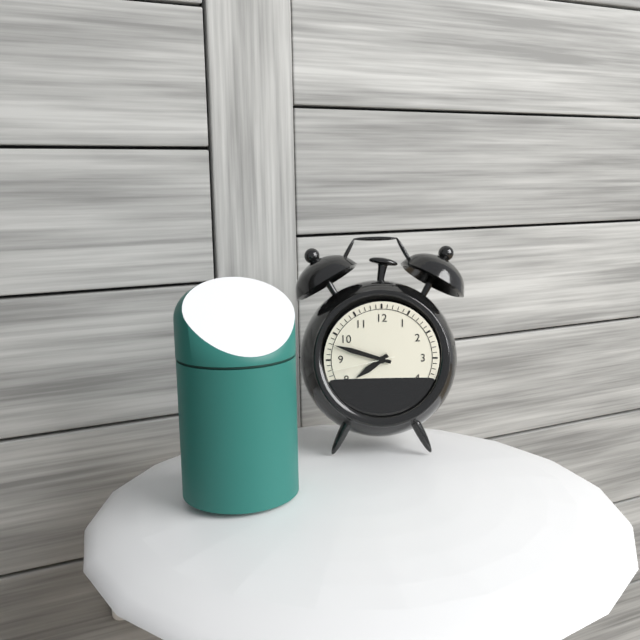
7:48:43
